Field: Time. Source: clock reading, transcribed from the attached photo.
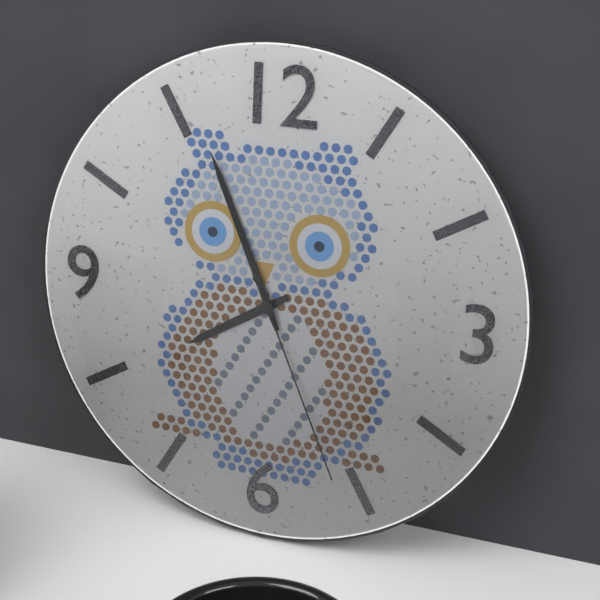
7:56:26
